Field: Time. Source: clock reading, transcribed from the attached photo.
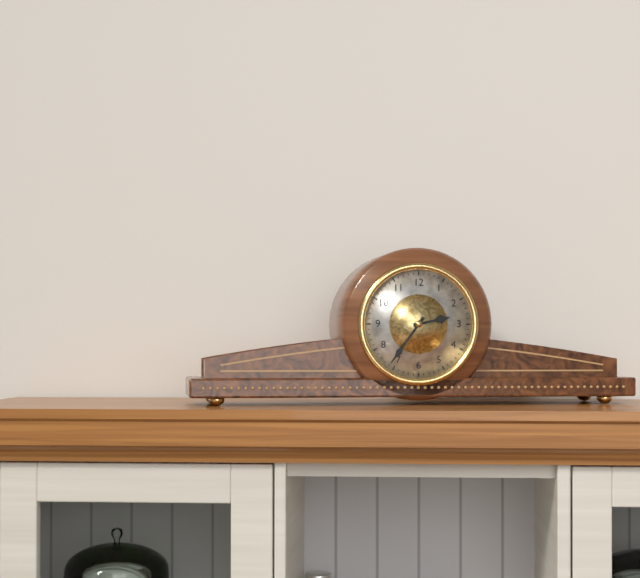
2:36
